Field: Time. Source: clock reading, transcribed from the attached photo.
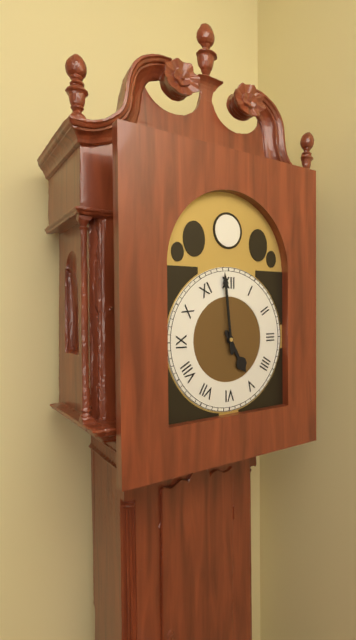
4:59
